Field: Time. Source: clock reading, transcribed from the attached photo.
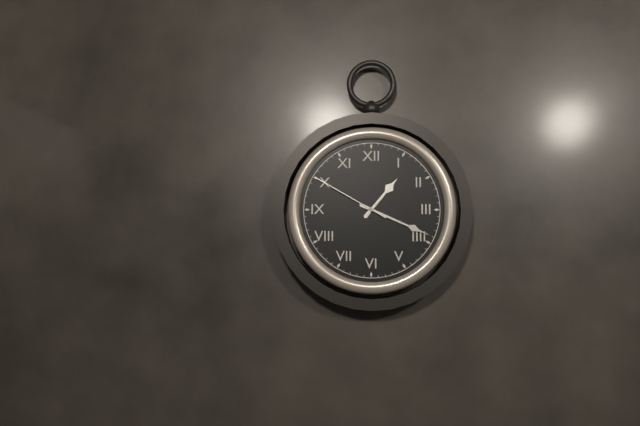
1:19:50
